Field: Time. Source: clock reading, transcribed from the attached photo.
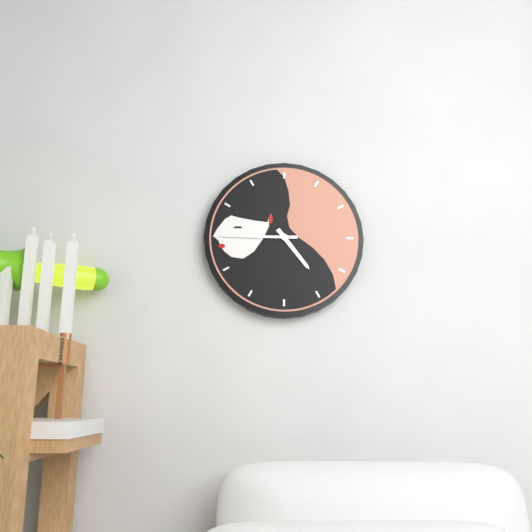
4:45
